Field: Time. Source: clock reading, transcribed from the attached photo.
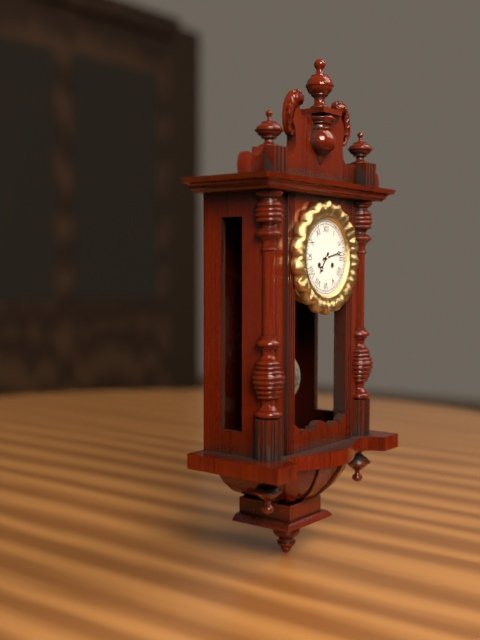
7:13
